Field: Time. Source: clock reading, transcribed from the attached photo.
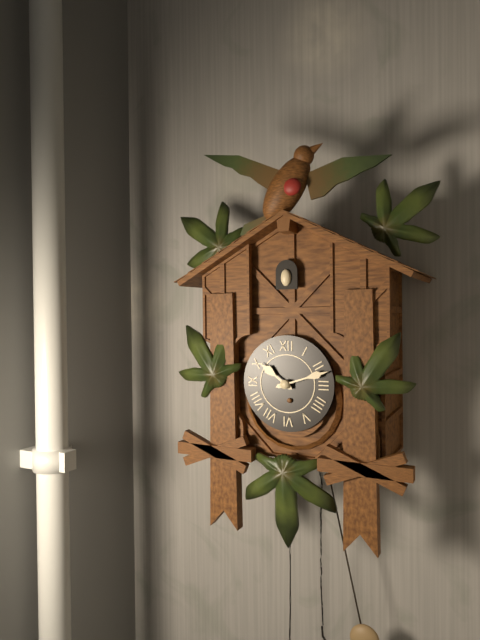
10:12
